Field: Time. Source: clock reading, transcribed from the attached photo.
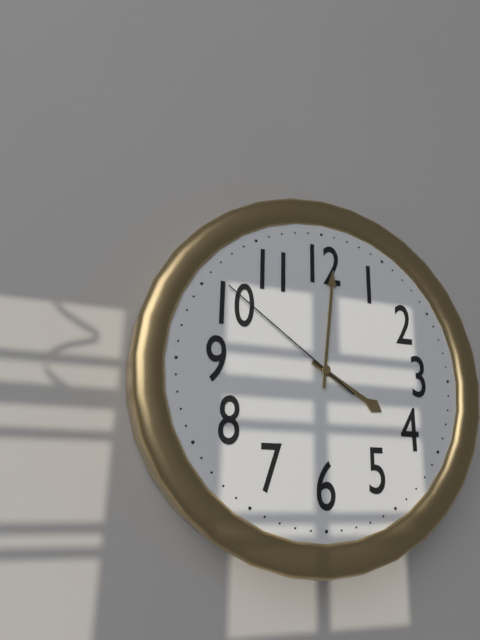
4:01:51
